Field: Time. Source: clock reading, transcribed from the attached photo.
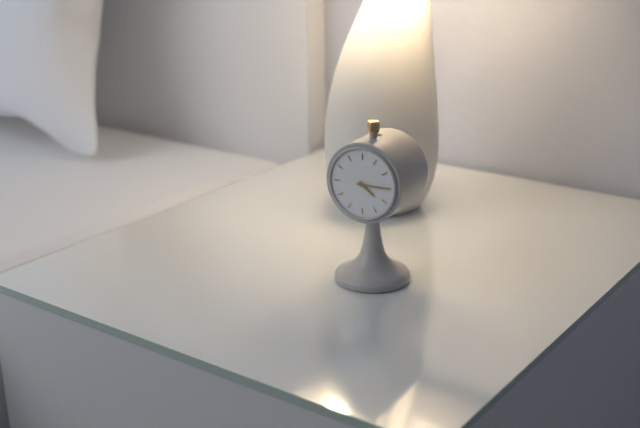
4:15
